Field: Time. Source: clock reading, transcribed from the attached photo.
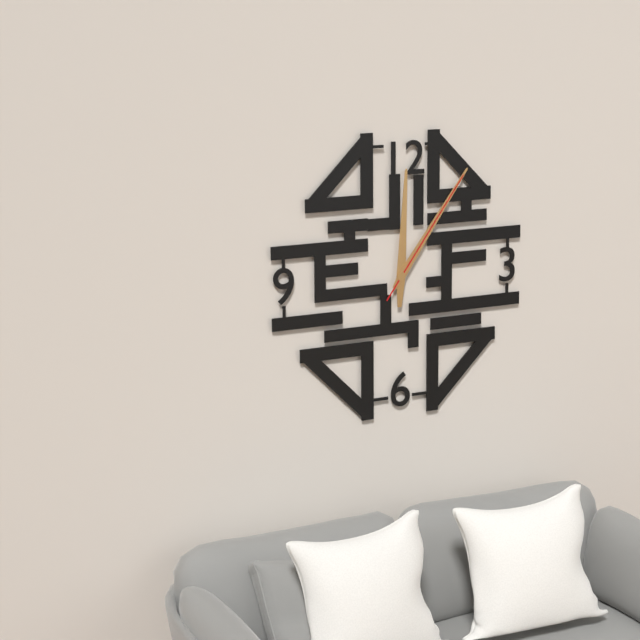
12:06:06
